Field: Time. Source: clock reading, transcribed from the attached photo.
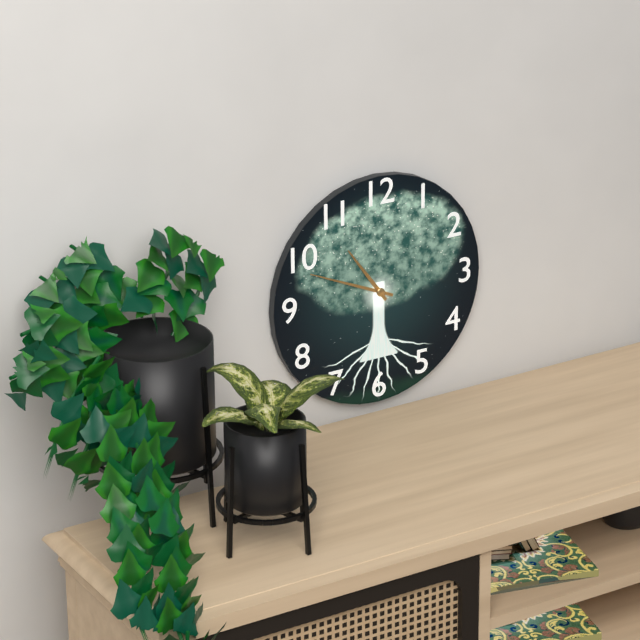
10:49
